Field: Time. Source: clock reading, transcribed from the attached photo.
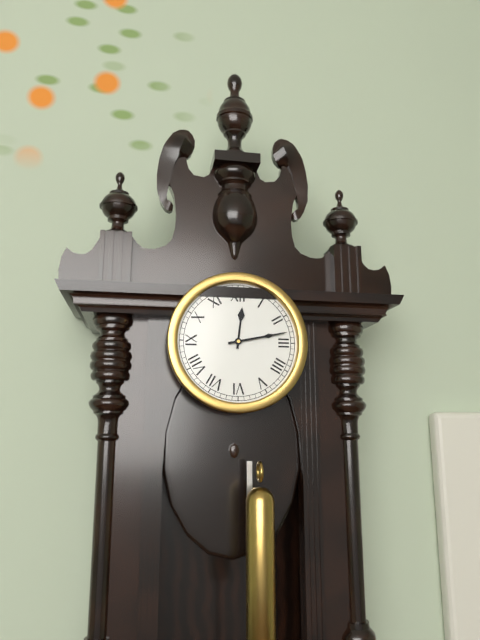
12:13
